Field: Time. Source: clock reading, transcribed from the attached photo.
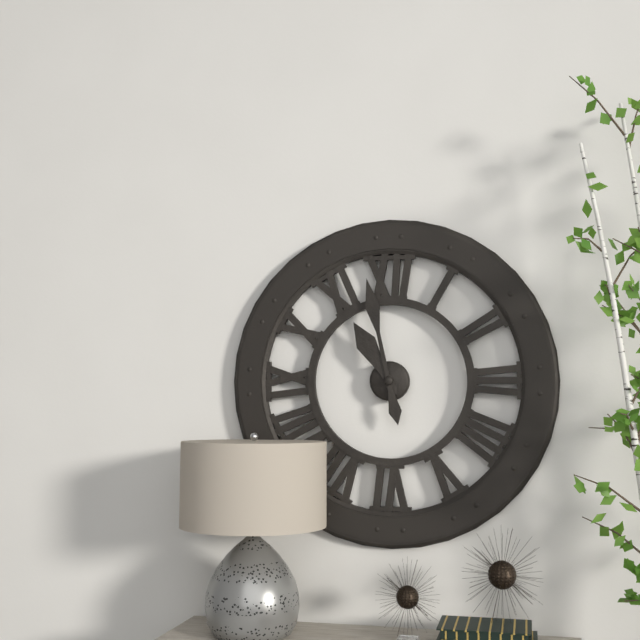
10:58
